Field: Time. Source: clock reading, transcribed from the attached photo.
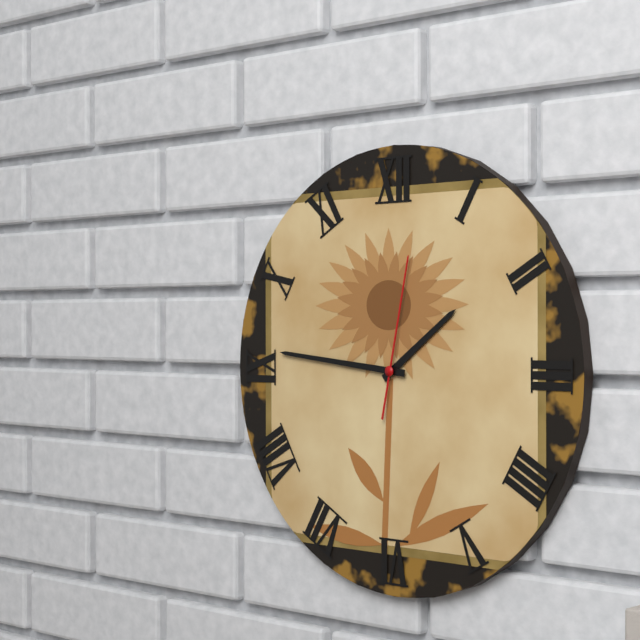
1:46:02
